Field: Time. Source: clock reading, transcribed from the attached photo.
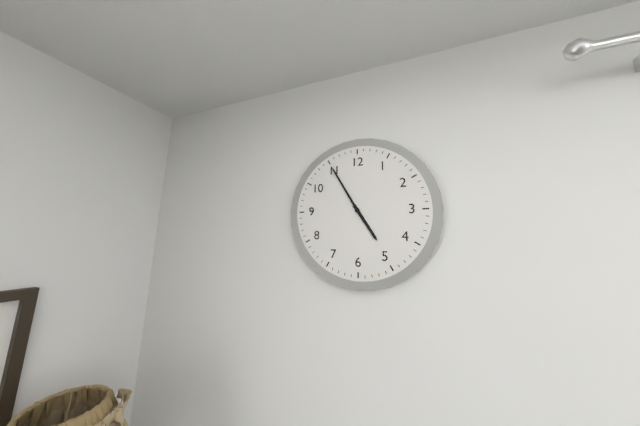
4:55
